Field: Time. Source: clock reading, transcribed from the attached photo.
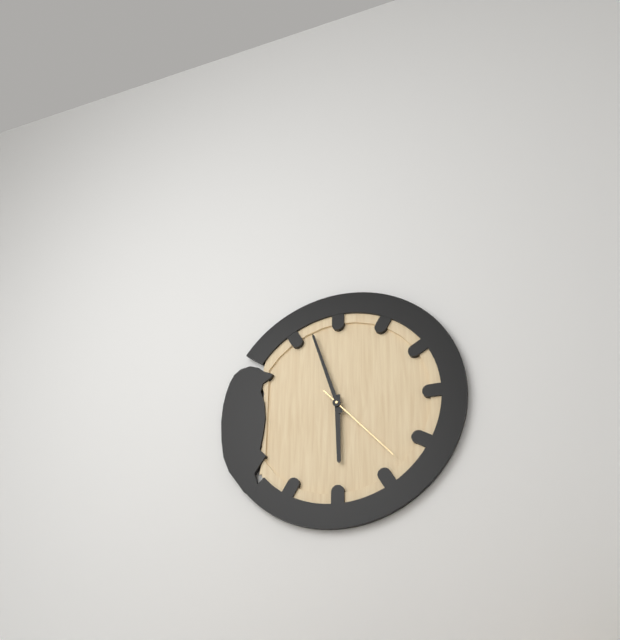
5:57:23
